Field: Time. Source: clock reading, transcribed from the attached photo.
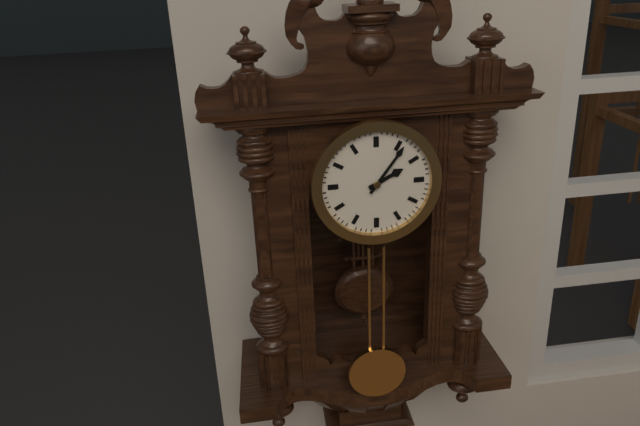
2:06
